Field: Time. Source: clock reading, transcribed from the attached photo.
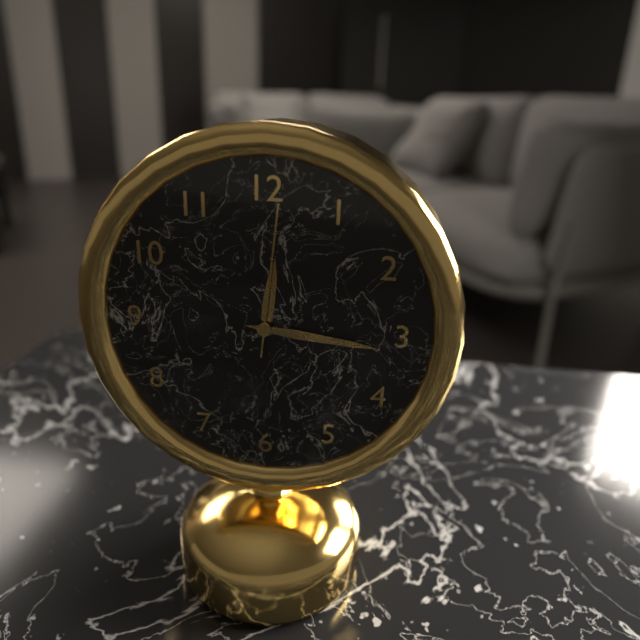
12:16:01
